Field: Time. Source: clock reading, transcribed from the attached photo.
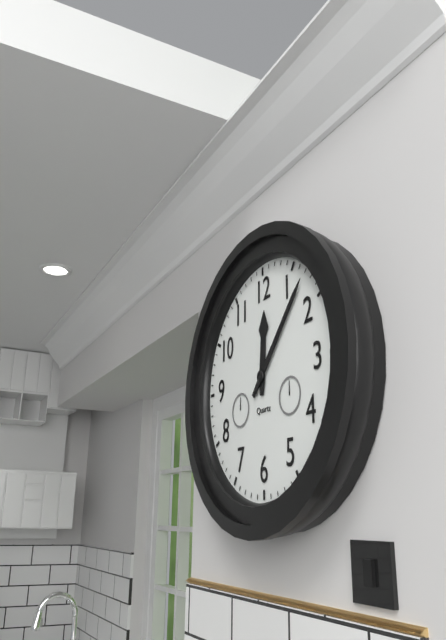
12:07
